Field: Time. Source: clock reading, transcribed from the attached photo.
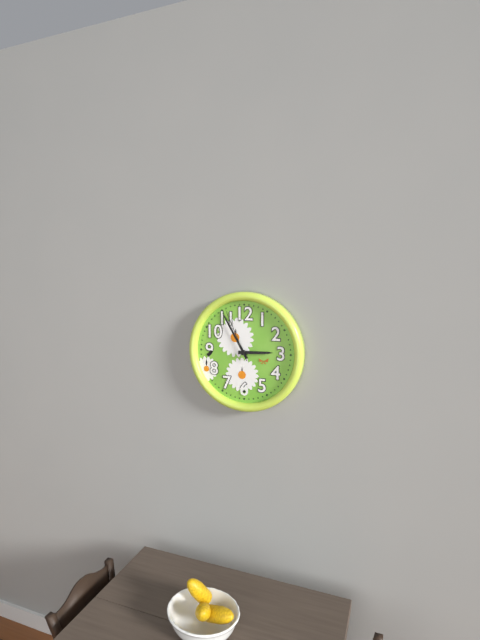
2:55:56
